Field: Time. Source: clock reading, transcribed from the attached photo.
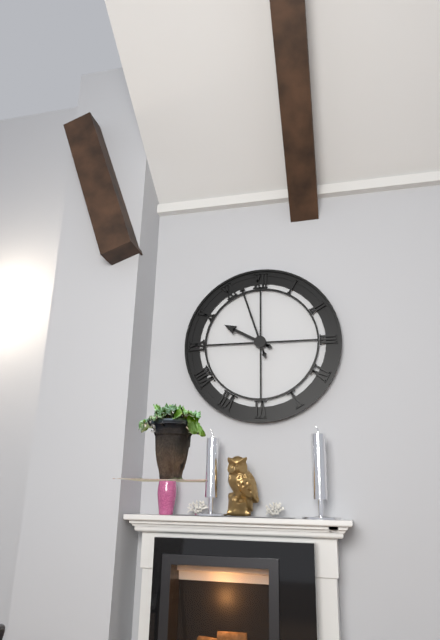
9:57
